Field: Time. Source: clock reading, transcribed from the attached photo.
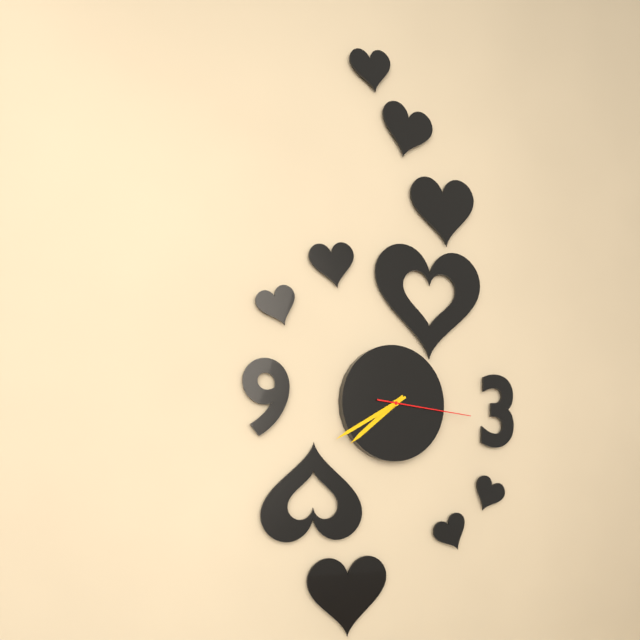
7:40:16
